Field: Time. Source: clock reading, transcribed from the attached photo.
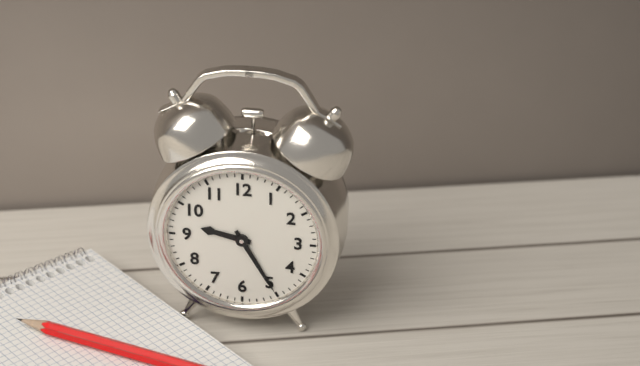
9:25
